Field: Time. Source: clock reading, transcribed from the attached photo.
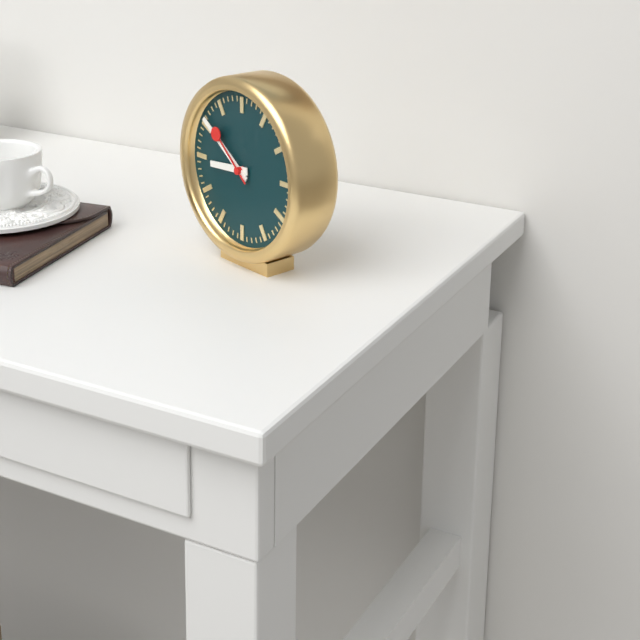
8:51:52
